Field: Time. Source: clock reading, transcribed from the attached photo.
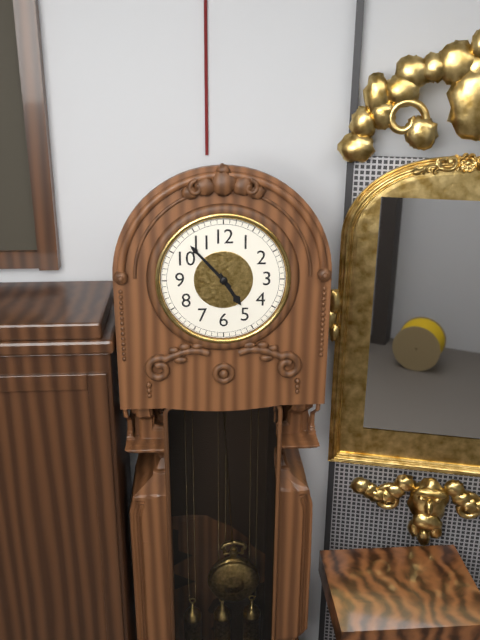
4:53
